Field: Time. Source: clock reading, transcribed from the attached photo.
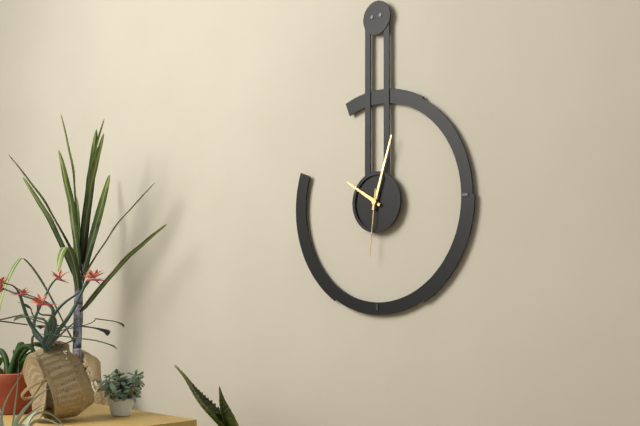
10:03:31
